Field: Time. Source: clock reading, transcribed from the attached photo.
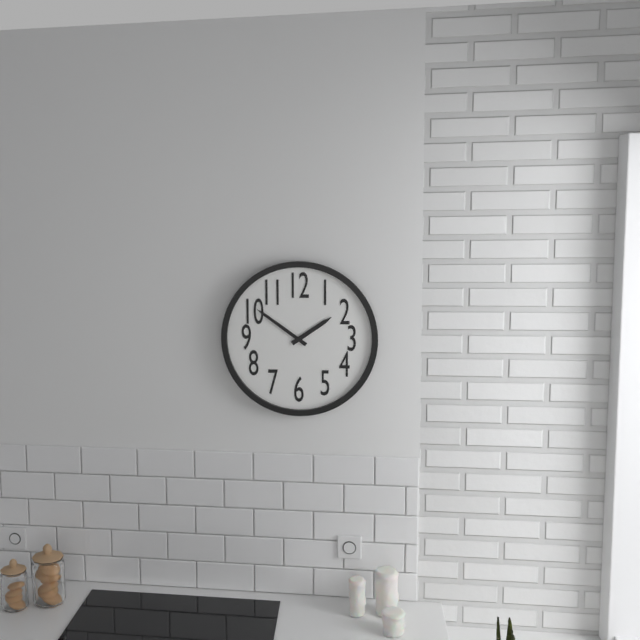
1:51
